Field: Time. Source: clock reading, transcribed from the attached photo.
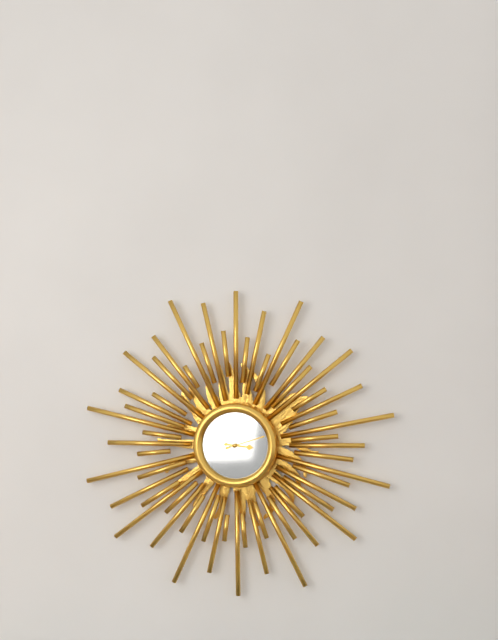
3:12
